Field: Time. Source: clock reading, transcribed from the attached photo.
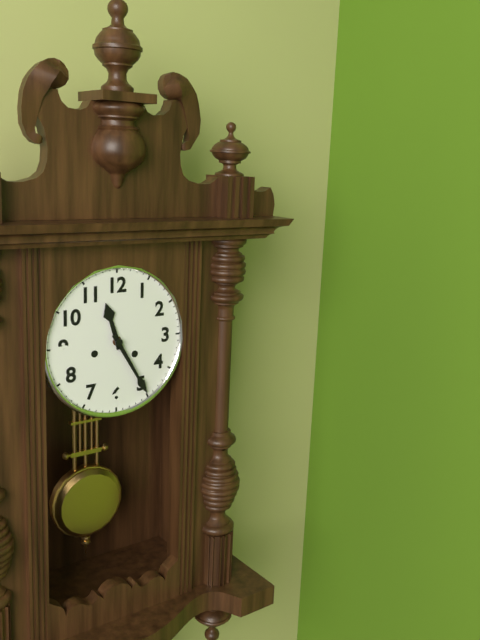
11:25
